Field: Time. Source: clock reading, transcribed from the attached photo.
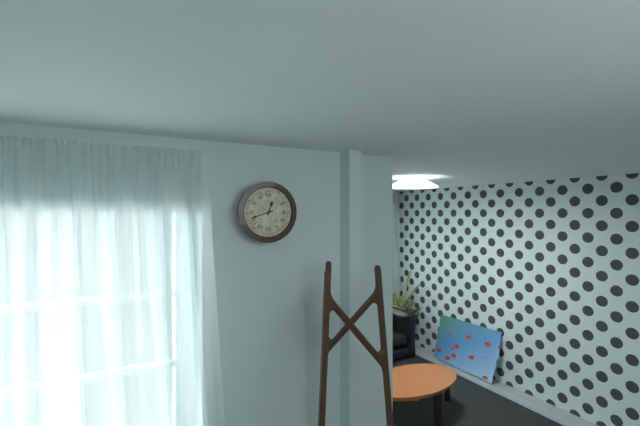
12:42
